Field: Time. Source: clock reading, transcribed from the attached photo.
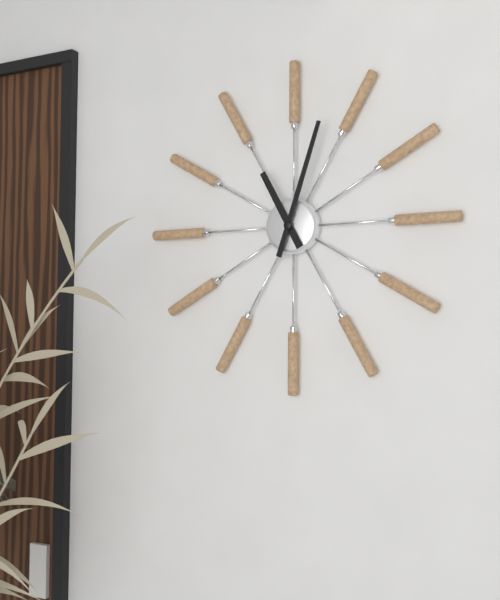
11:03
